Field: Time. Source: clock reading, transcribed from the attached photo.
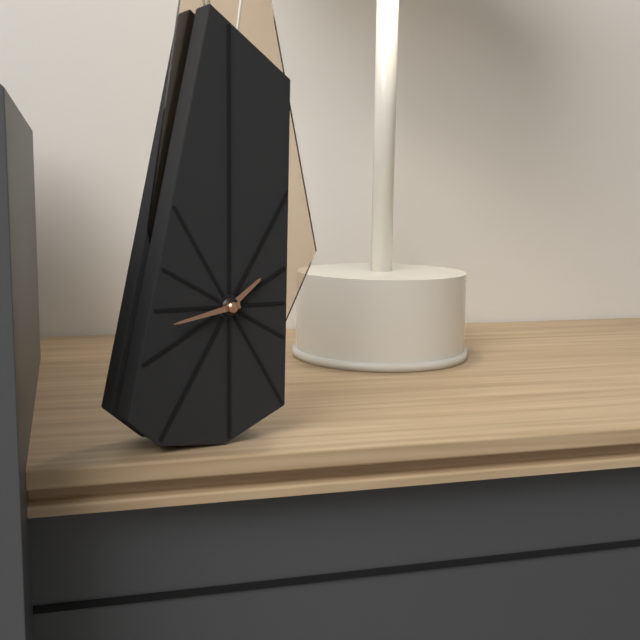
1:43
